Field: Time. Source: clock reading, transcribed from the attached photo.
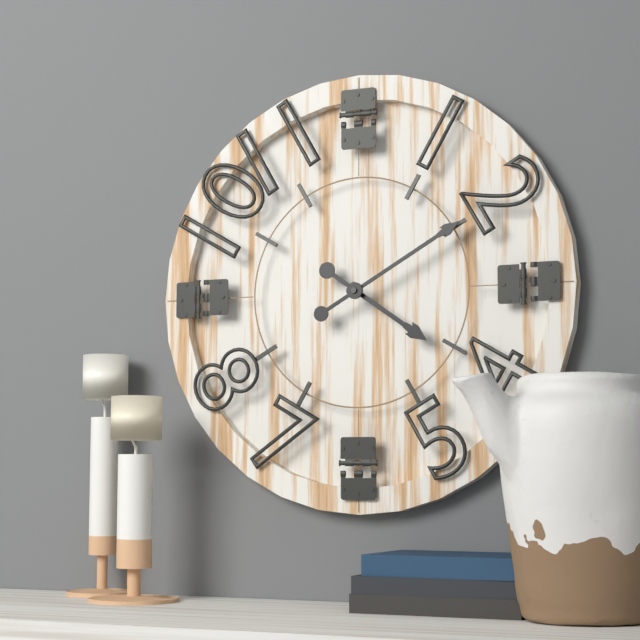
4:10
